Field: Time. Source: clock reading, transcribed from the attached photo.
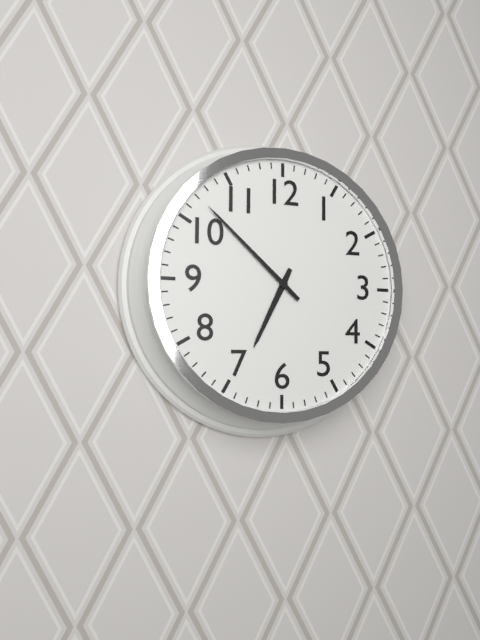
6:52
